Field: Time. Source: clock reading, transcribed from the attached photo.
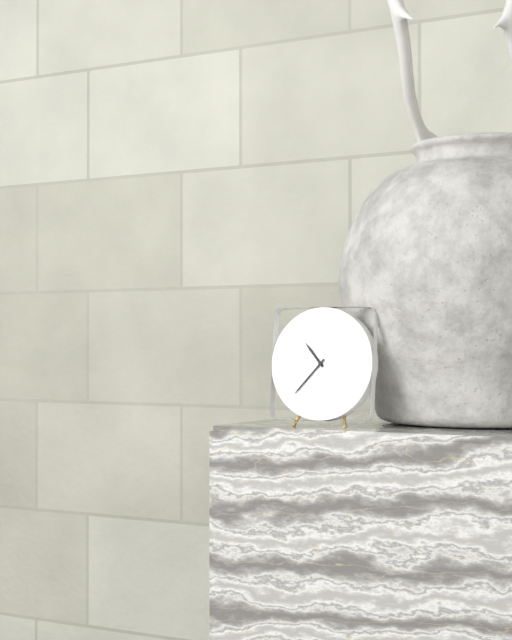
10:37
